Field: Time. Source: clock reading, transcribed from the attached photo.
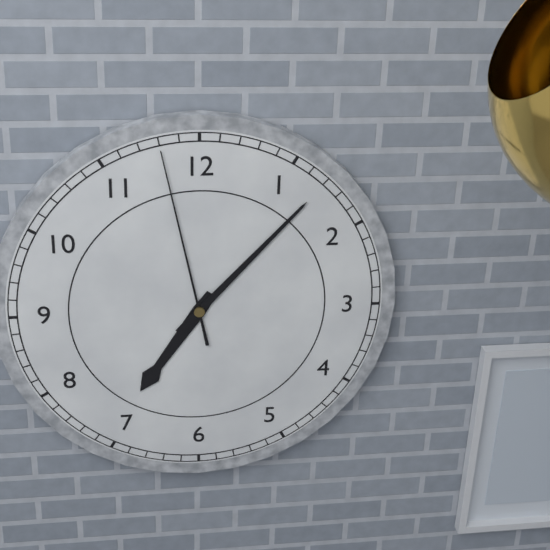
7:07:58
